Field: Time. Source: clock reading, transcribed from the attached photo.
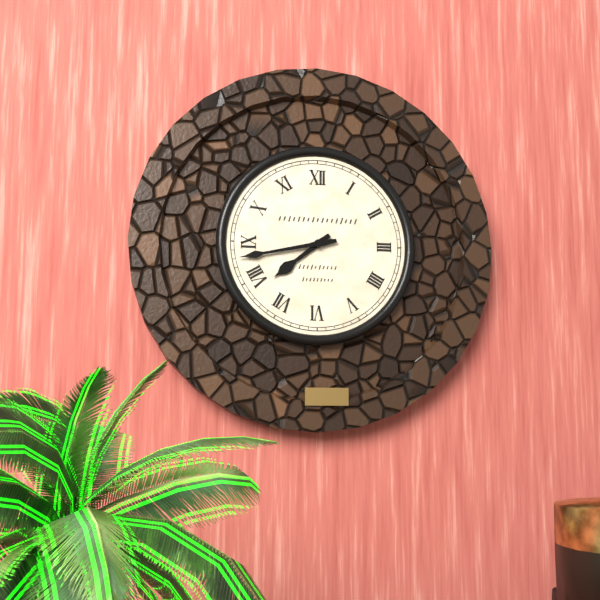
7:43
